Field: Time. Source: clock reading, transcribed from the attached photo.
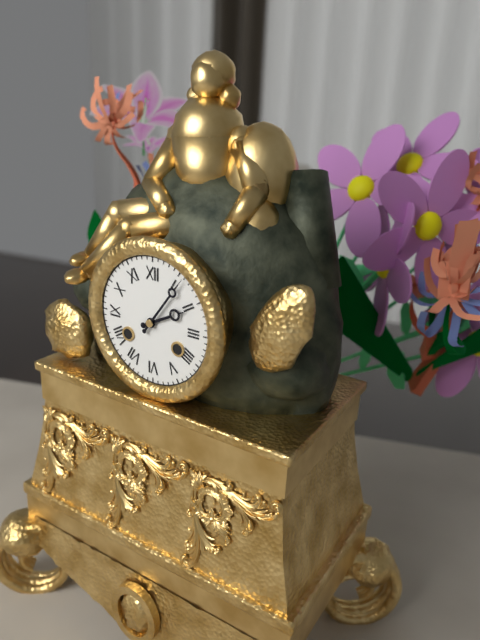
2:06
